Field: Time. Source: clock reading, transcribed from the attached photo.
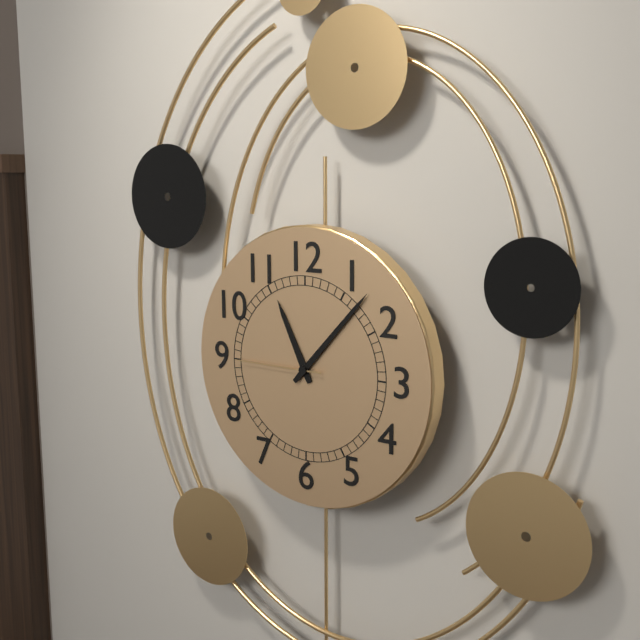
11:07:45
